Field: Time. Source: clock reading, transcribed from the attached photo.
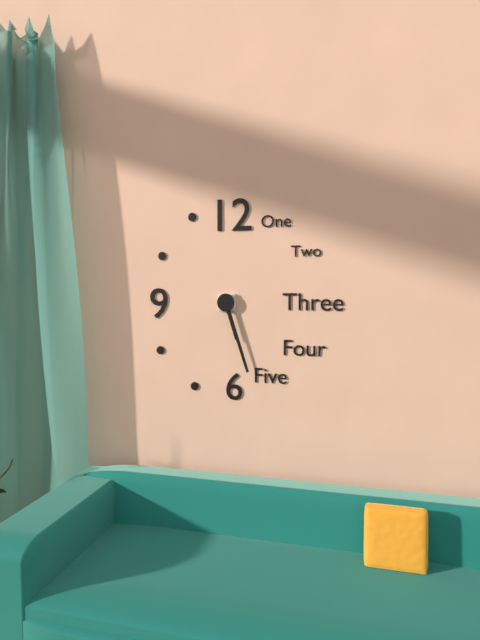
5:27
